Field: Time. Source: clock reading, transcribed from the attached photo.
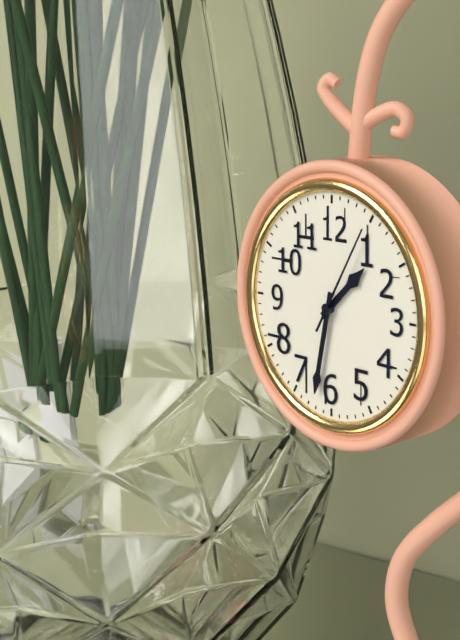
1:32:05
